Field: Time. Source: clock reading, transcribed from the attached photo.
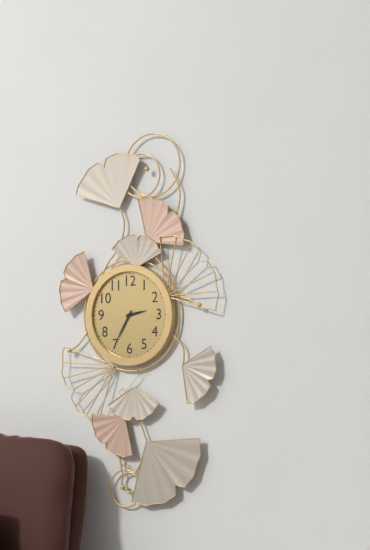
2:35
